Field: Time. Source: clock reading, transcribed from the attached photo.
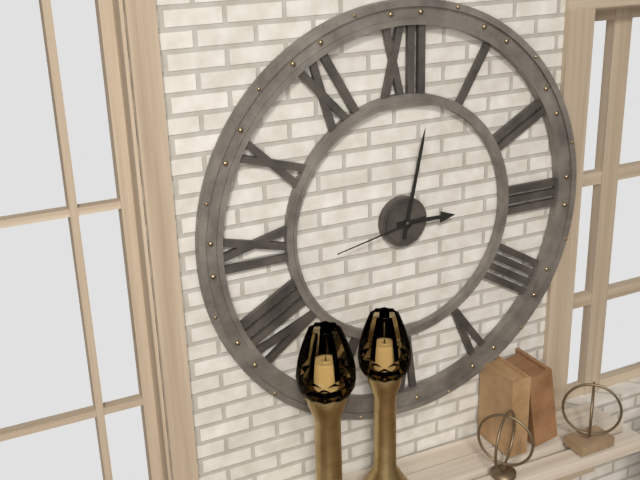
3:02:43
